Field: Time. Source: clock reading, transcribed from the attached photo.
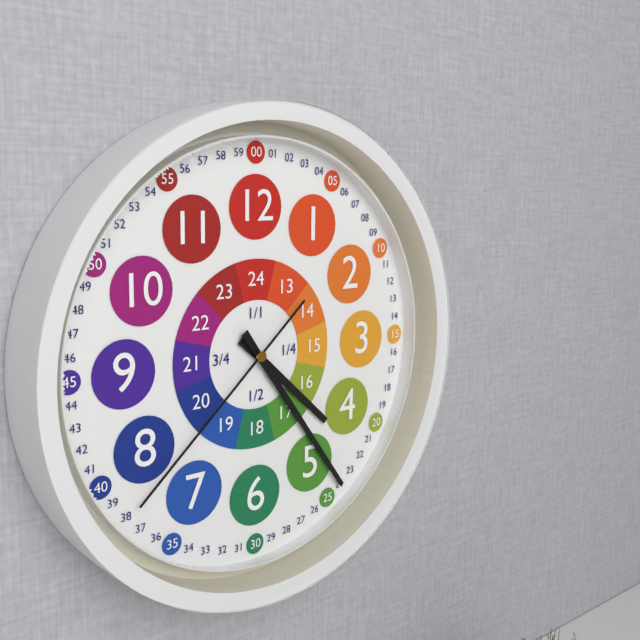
4:24:38
